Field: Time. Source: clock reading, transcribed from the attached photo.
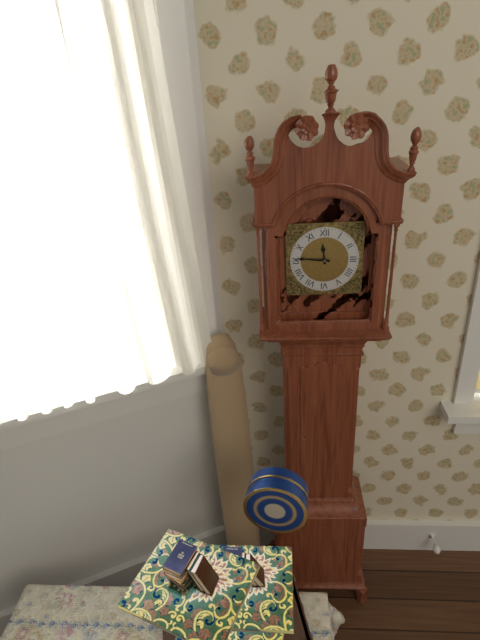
11:46
